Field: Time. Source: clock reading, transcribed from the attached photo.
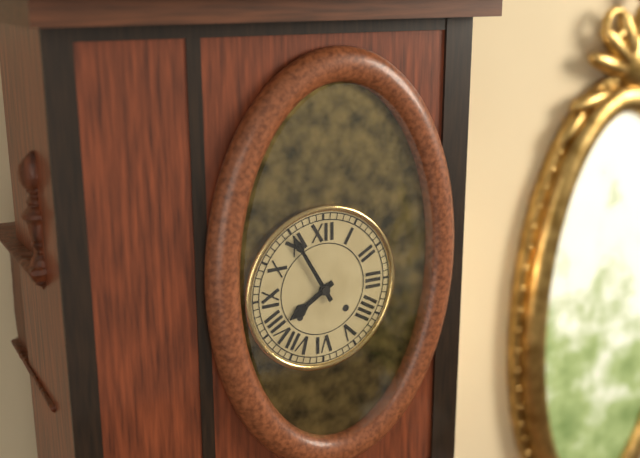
7:55
